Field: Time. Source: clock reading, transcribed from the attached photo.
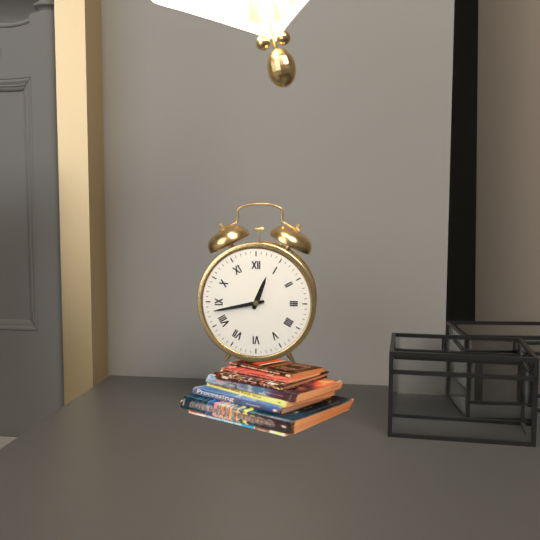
12:43
